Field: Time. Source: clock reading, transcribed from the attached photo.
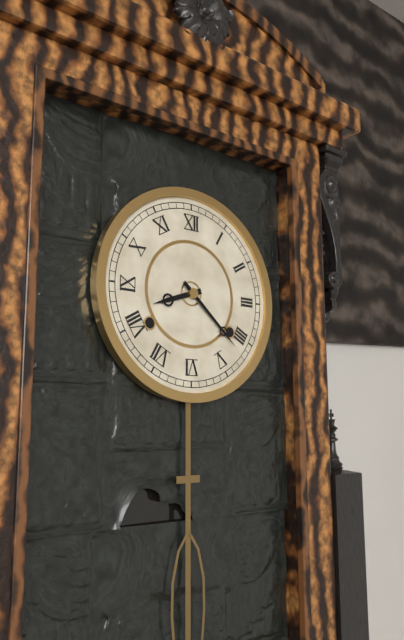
8:22
